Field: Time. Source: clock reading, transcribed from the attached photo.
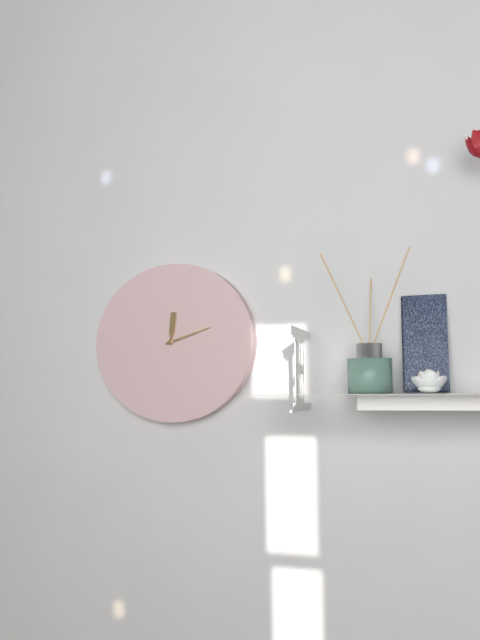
12:12
